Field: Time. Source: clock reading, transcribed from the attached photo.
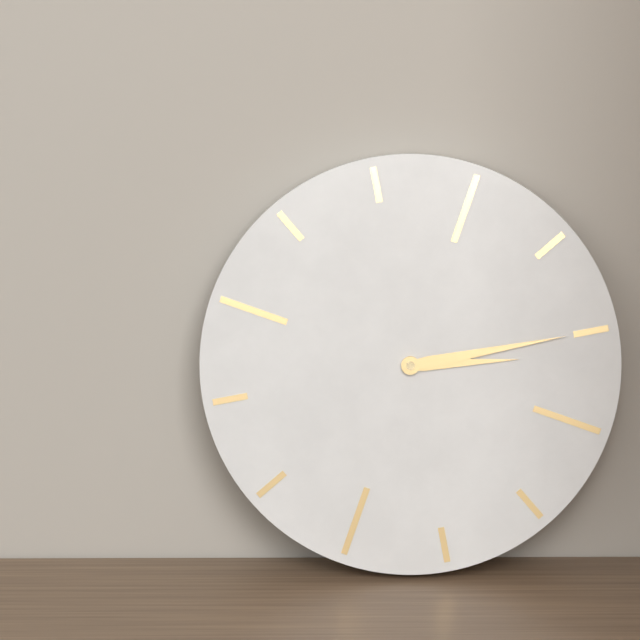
3:15
